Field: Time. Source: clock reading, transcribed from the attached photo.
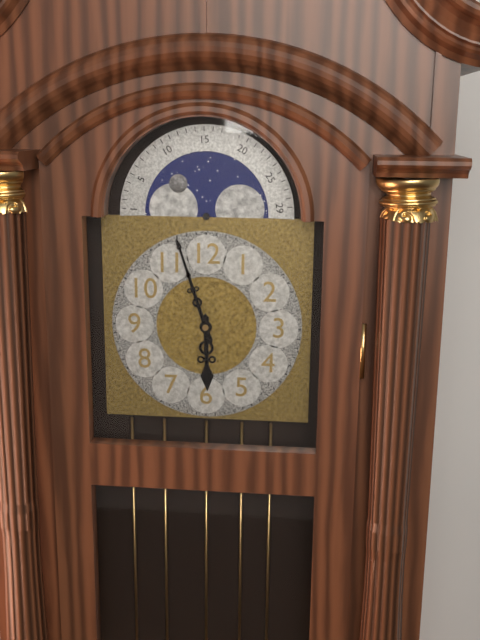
5:57
